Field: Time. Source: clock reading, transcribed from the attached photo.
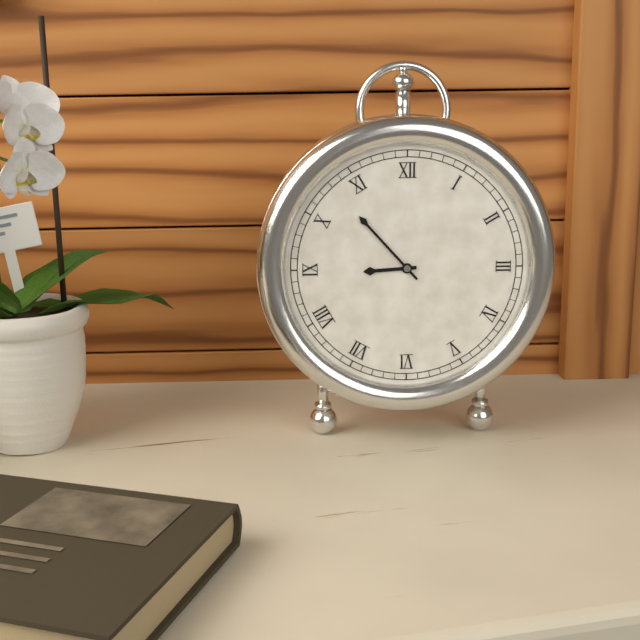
8:53
